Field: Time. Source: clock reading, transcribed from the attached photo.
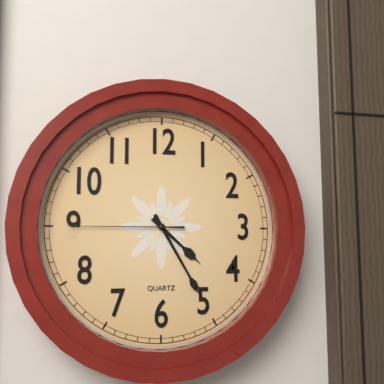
4:25:45
